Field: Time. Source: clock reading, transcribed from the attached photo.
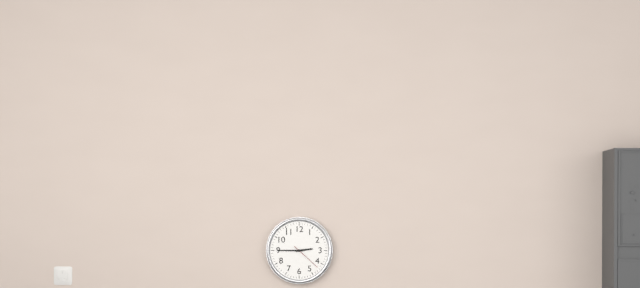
2:45
